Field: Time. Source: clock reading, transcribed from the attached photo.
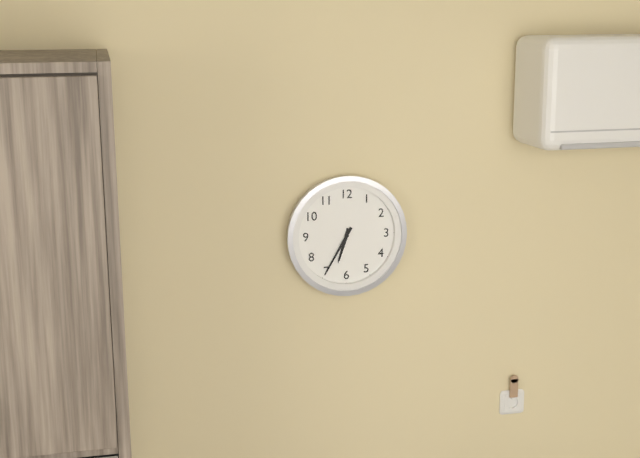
6:35
